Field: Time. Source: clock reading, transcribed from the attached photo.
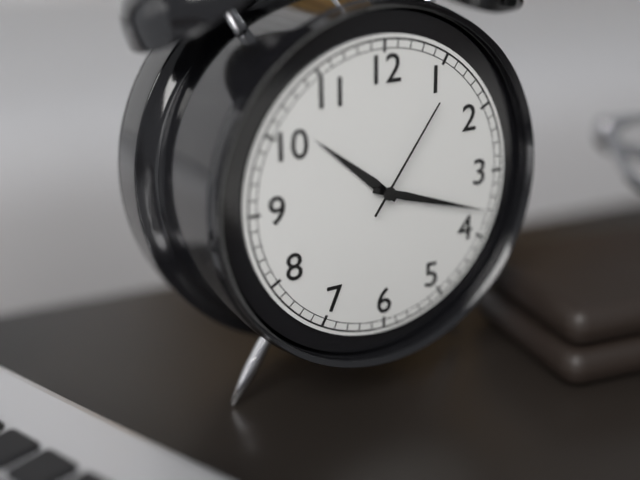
10:18:06
